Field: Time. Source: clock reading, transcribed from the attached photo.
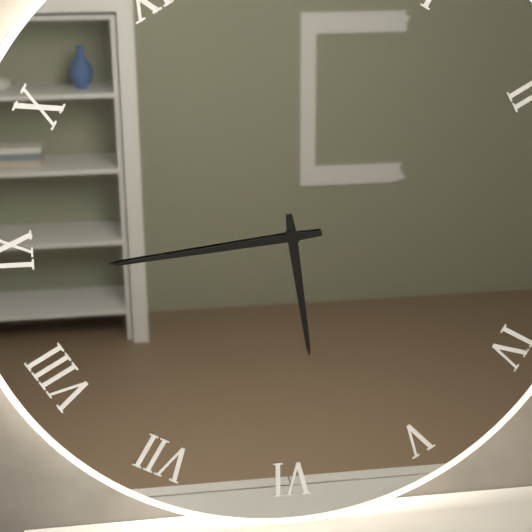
5:44
